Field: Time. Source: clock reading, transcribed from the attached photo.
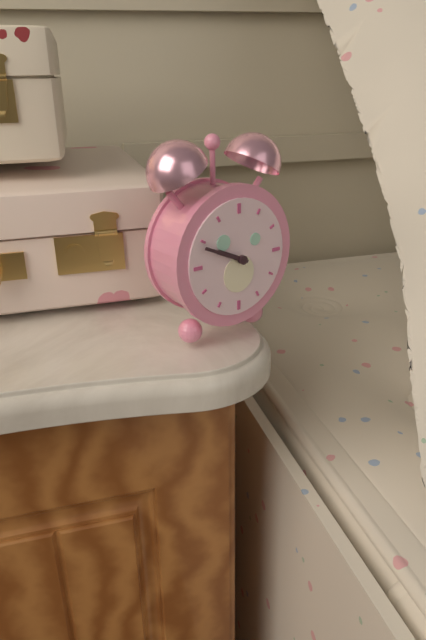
9:49
